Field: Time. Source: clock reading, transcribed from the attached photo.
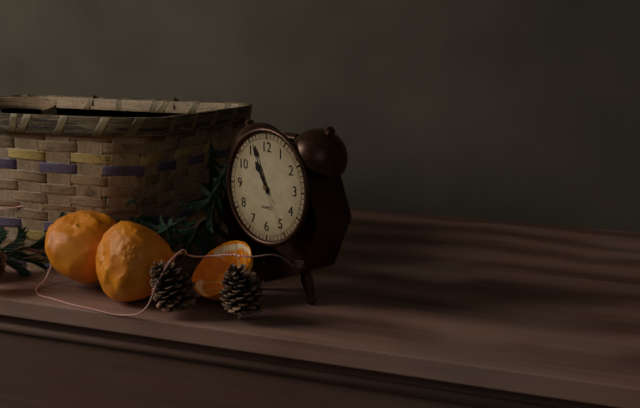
10:56:25
